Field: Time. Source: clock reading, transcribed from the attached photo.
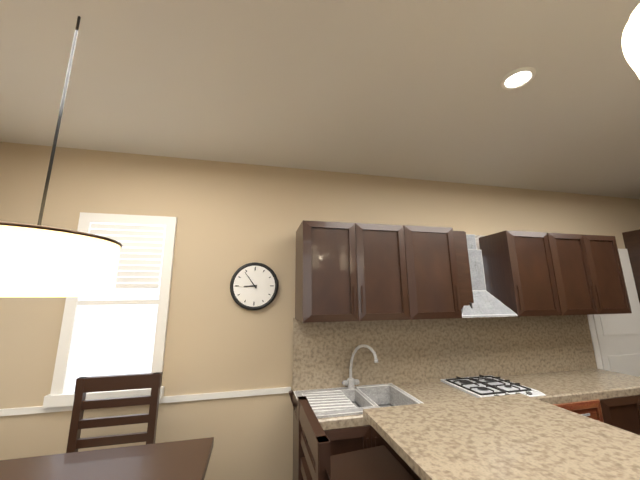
8:54
